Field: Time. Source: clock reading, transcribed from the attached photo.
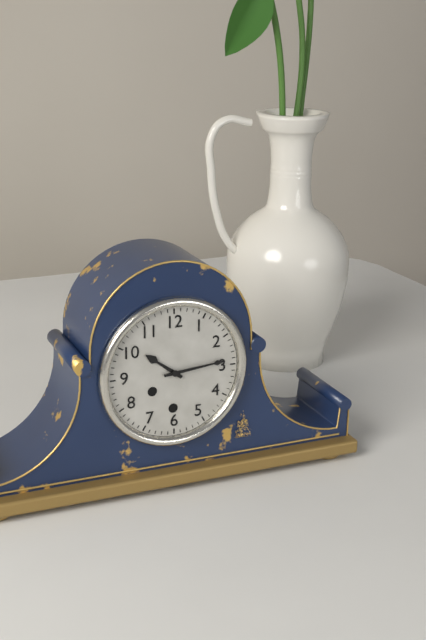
10:14
